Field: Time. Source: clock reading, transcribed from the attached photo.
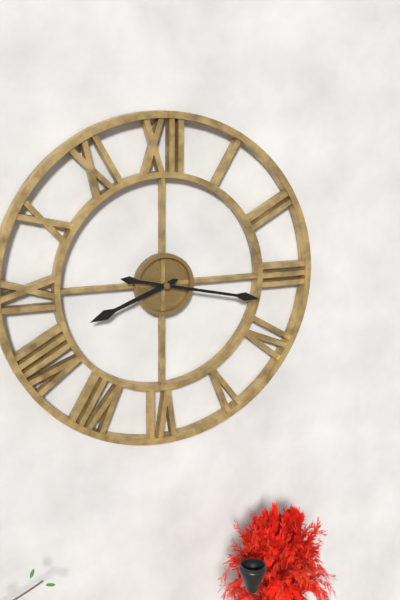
8:17
